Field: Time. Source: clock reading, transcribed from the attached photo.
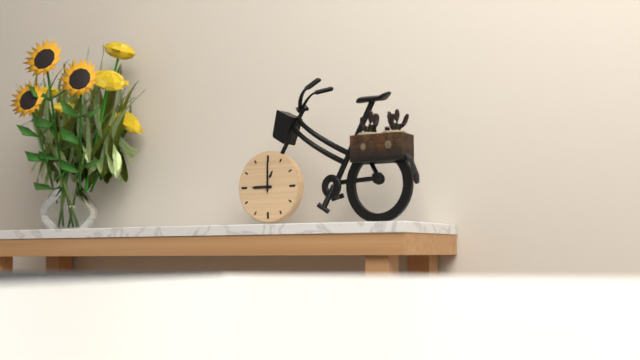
9:00
